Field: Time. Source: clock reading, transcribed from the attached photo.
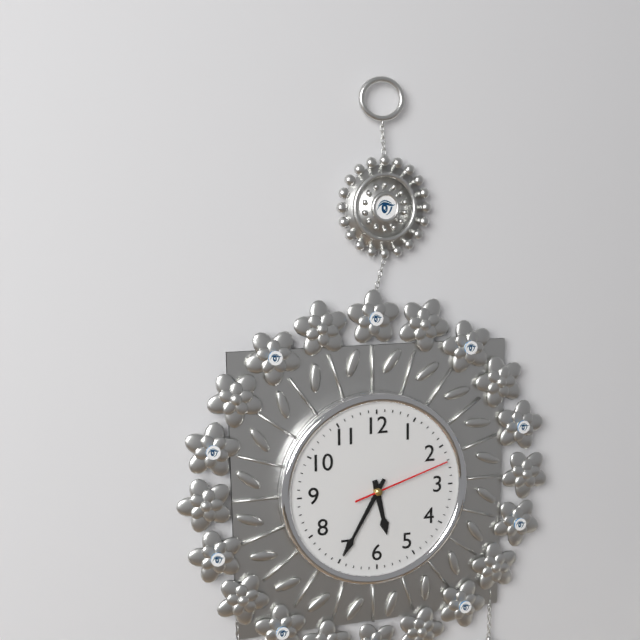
5:35:12
